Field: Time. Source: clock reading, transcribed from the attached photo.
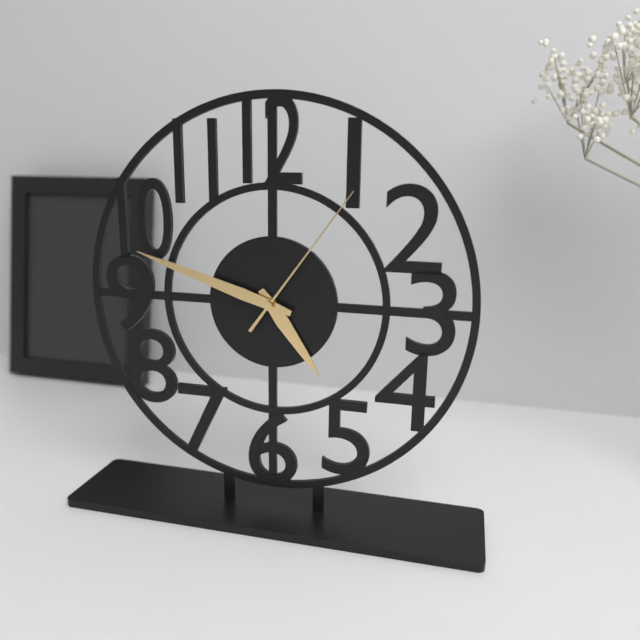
4:48:06
